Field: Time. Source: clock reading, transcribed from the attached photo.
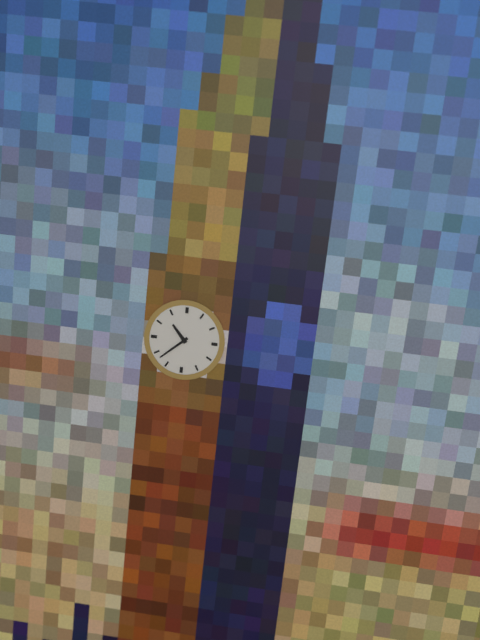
10:38
